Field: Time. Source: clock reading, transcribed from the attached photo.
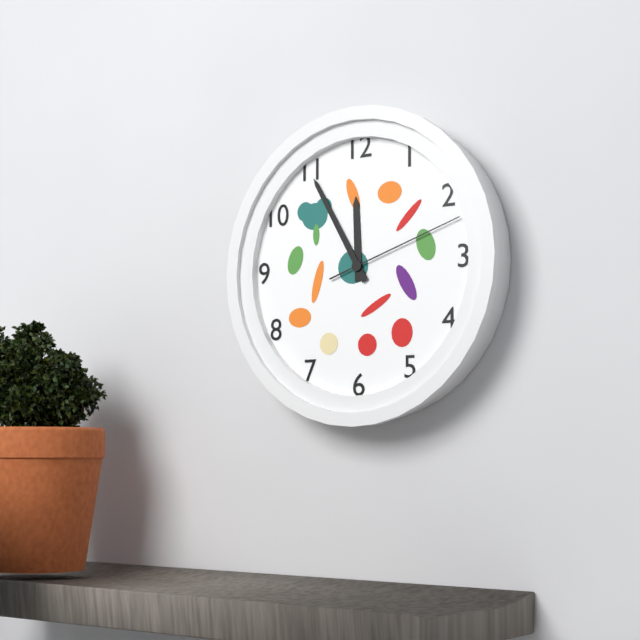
11:55:12
